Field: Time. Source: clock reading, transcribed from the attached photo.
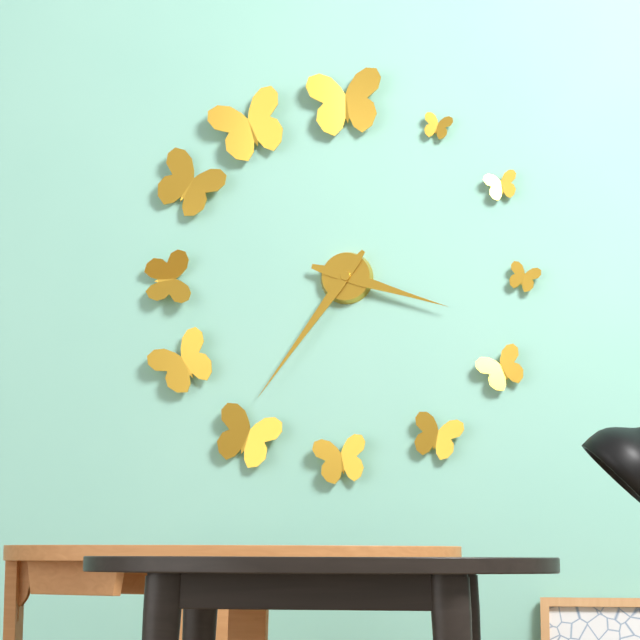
3:36
